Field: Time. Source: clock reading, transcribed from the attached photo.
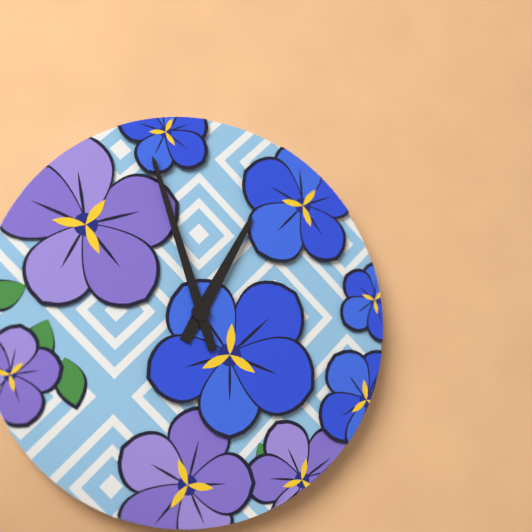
12:57
